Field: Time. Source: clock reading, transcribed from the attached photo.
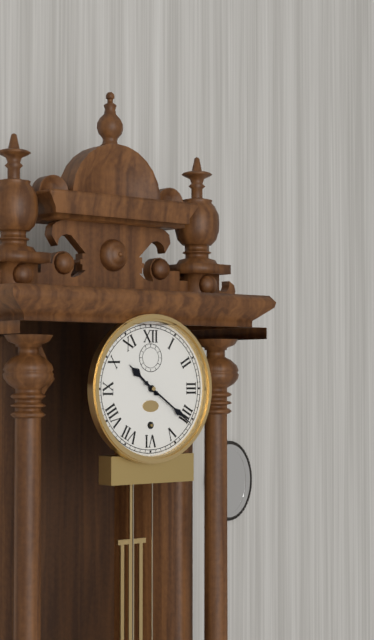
10:21
